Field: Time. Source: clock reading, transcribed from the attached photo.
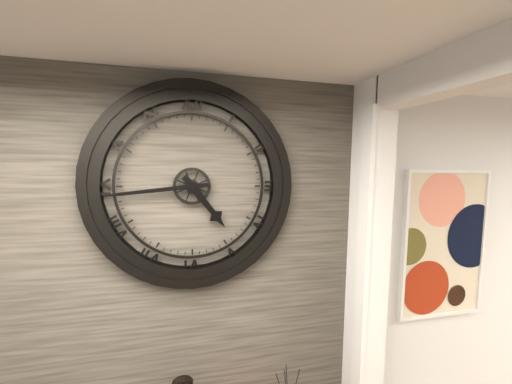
4:44
